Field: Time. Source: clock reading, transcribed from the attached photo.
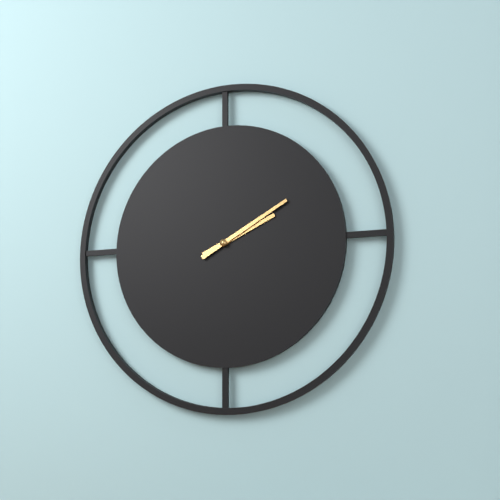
2:10
